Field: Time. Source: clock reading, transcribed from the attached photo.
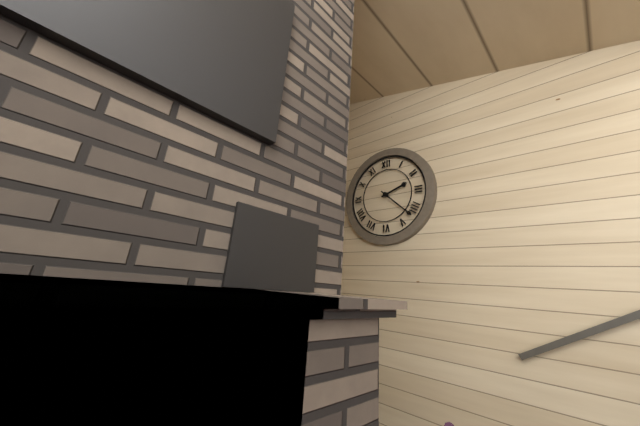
2:22
